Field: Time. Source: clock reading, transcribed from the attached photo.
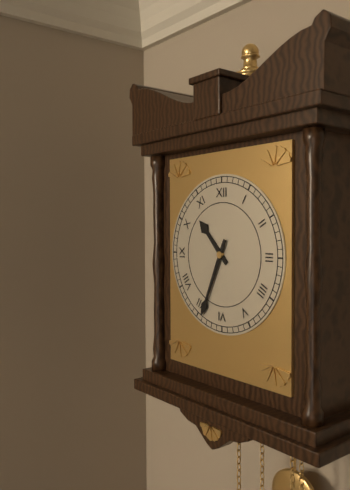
10:34
